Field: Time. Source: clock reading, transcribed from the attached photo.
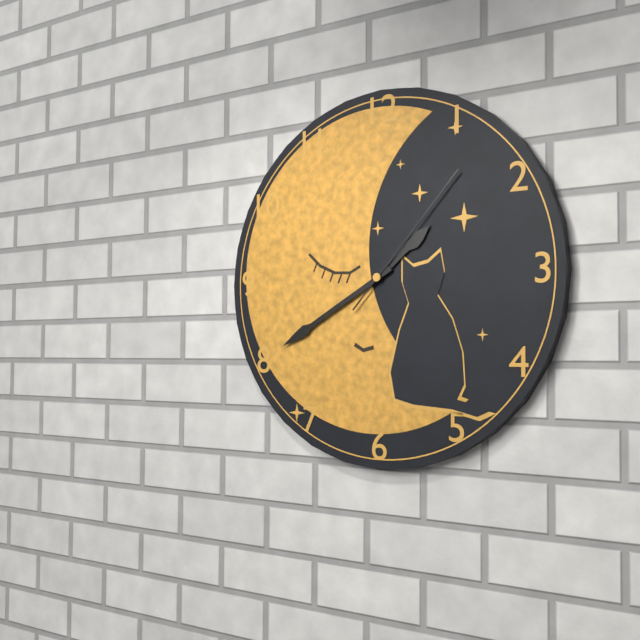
1:40:07
